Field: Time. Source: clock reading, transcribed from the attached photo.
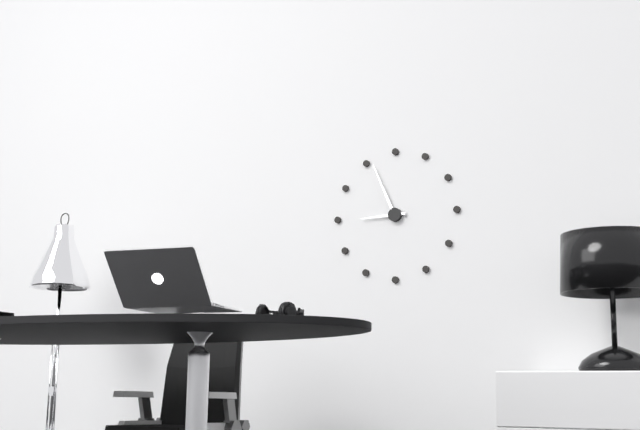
8:56
